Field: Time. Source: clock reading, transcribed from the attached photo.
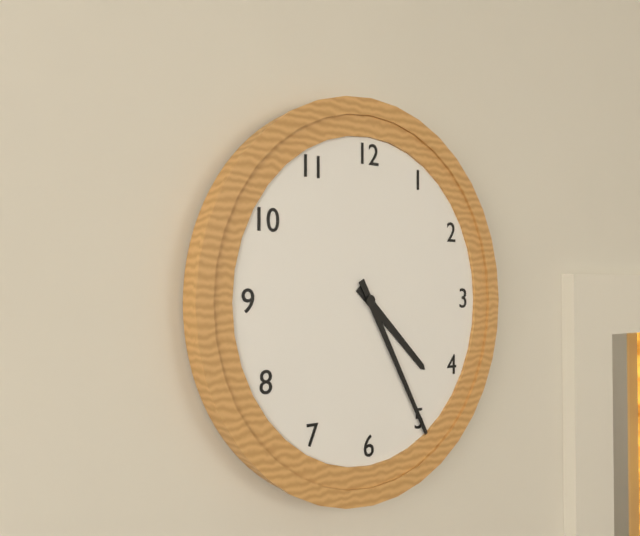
4:25
